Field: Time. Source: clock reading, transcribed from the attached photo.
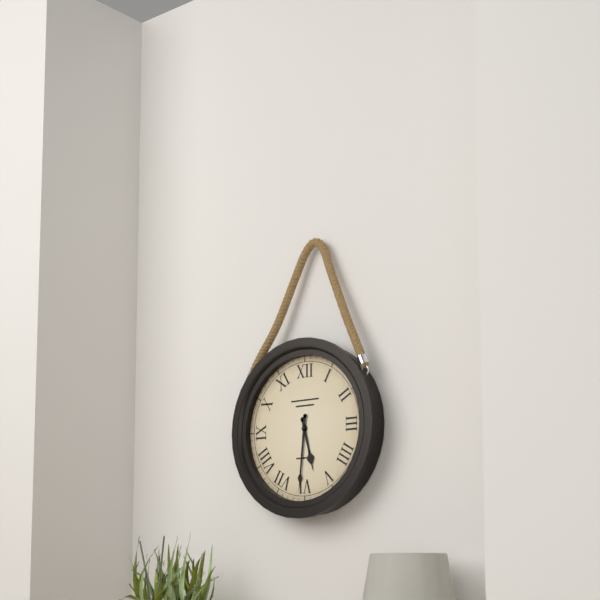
5:31
